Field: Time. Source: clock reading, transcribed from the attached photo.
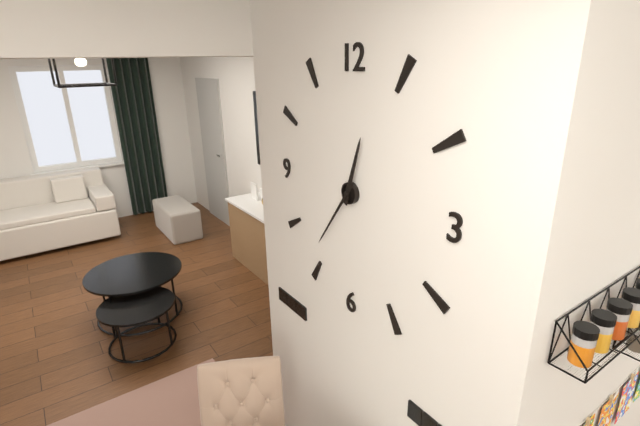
12:36
